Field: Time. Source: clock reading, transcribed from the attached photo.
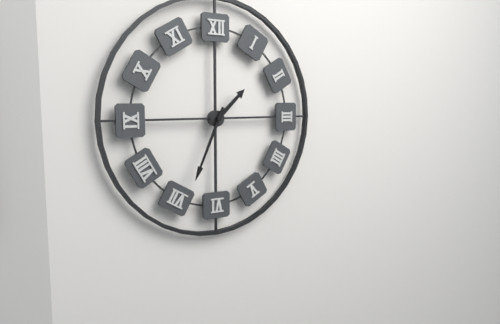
1:34
